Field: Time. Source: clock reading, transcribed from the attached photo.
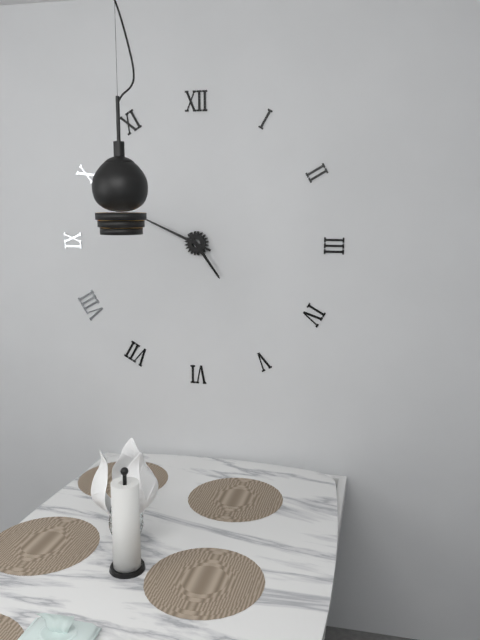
4:49
